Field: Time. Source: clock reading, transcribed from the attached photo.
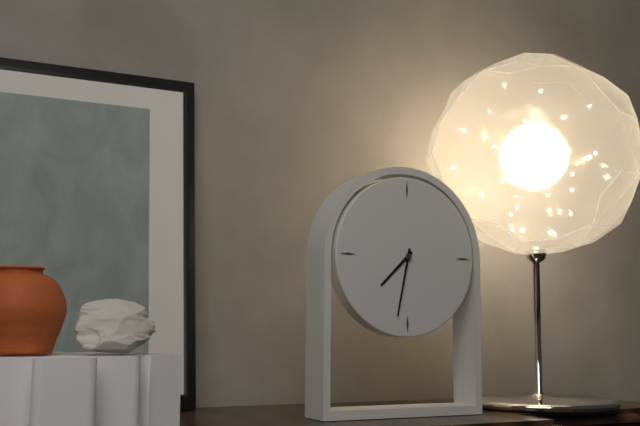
7:32
